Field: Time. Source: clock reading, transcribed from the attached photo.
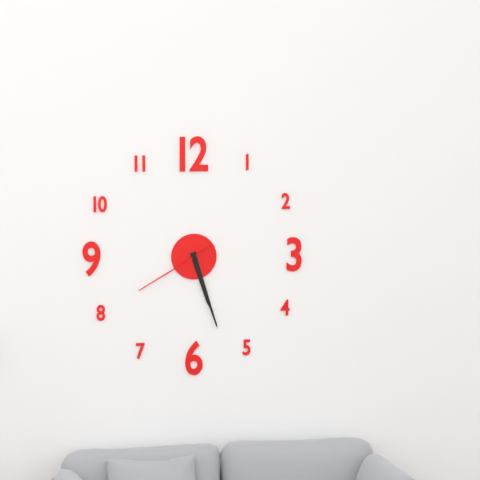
5:27:40
